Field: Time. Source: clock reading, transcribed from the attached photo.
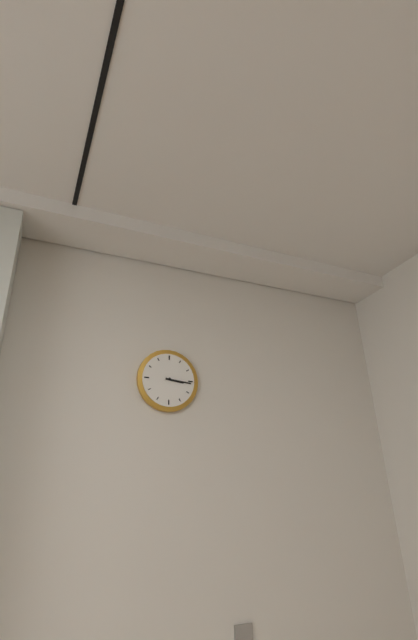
3:16
